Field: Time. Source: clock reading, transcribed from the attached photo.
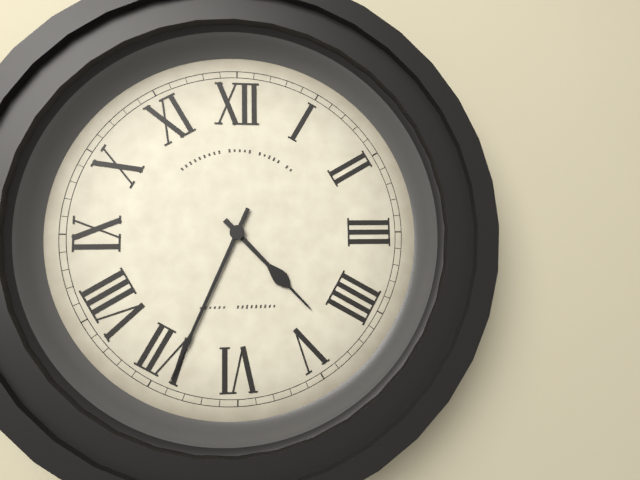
4:34
